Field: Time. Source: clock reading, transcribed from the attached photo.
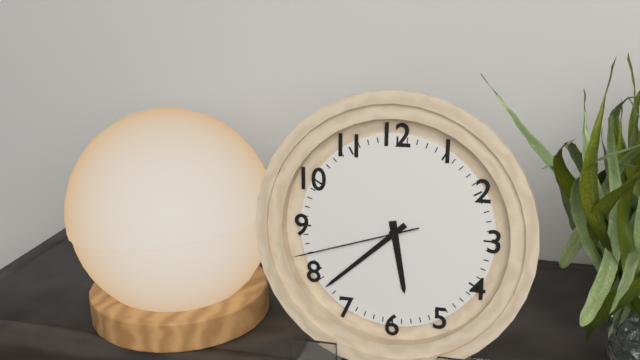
5:38:42
